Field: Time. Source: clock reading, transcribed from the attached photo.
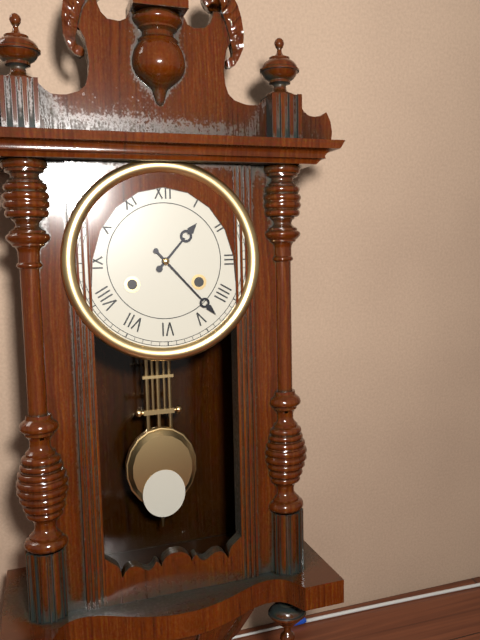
1:23
